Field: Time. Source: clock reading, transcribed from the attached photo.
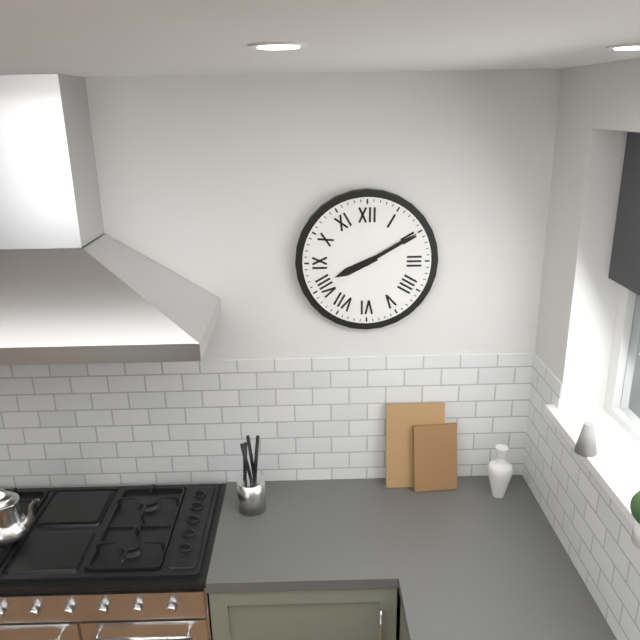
8:10
